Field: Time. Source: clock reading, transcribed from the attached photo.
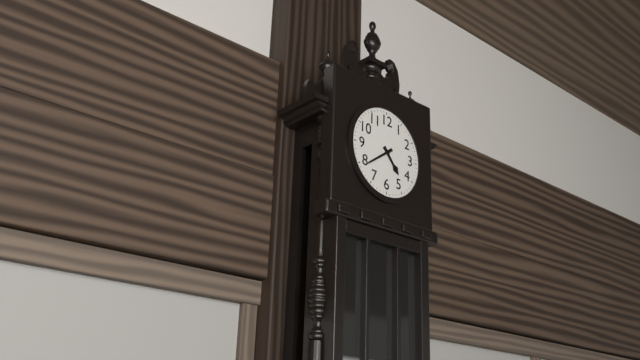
4:39
